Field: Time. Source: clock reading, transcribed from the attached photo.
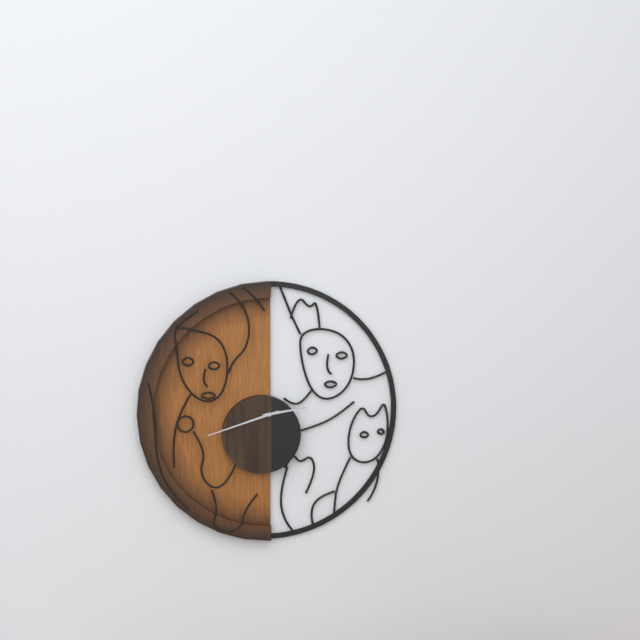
2:42
